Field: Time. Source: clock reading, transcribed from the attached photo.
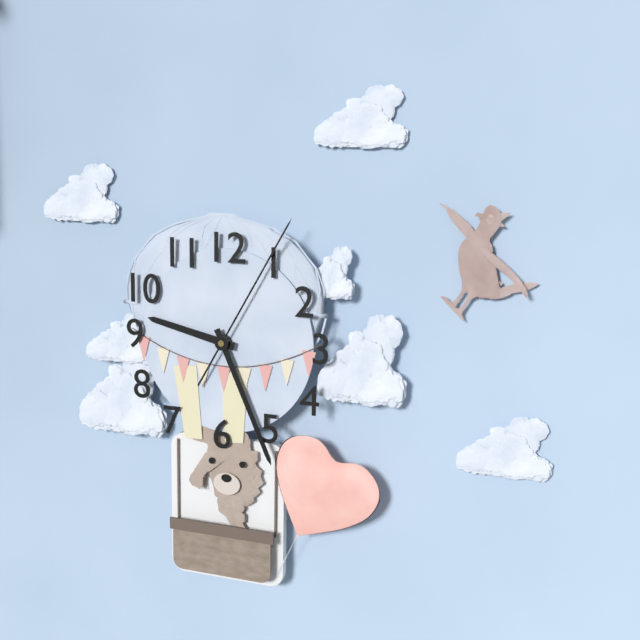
9:26:05
